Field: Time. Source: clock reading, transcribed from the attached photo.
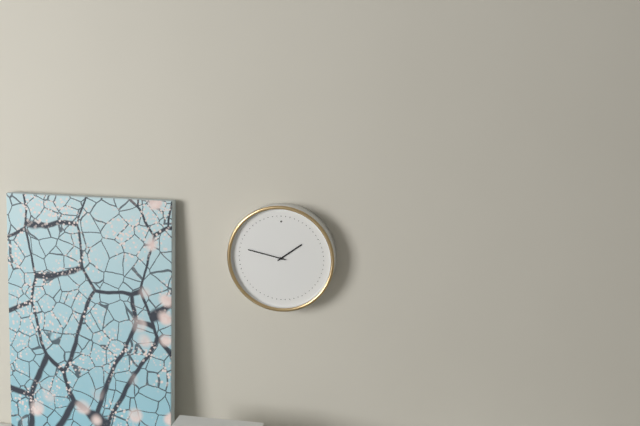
1:47
